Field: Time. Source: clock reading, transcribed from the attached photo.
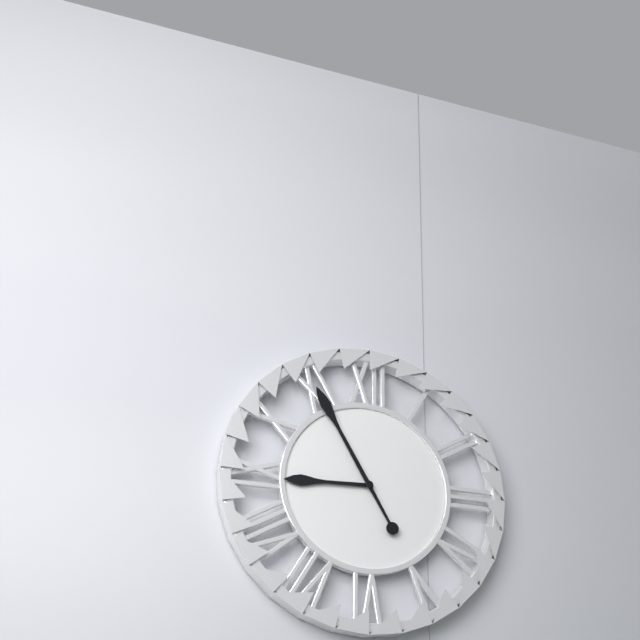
8:55
